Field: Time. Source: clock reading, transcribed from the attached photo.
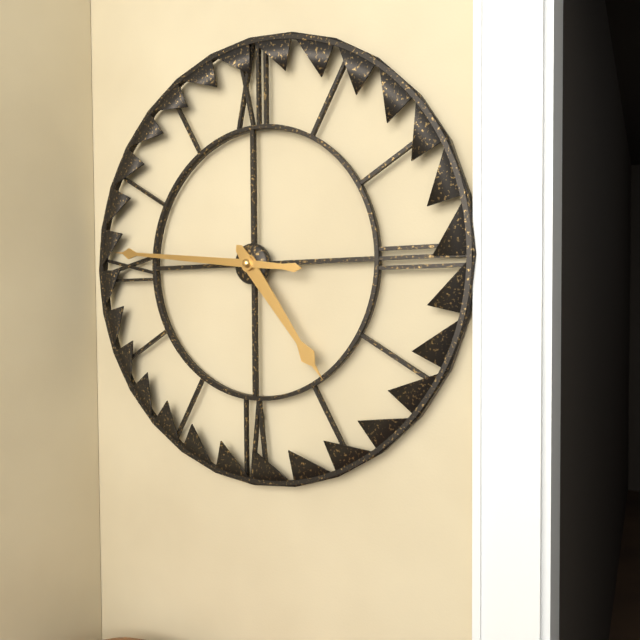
4:46
